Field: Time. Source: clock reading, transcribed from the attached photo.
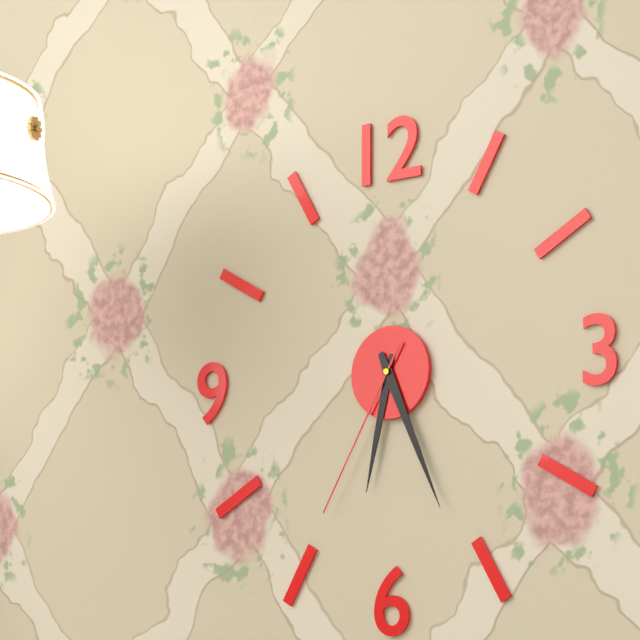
6:26:35
